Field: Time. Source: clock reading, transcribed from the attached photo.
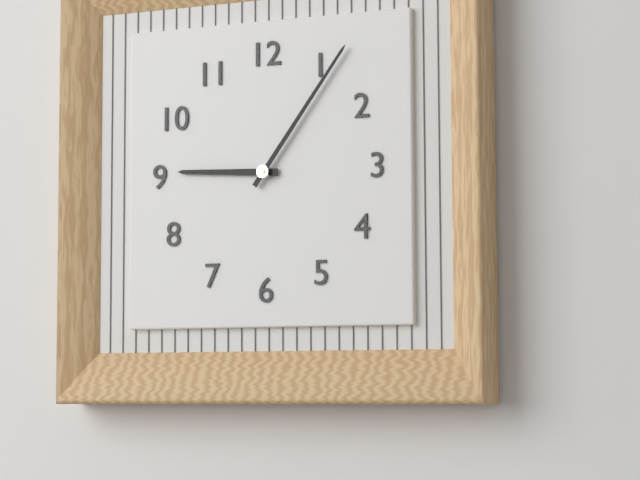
9:06
